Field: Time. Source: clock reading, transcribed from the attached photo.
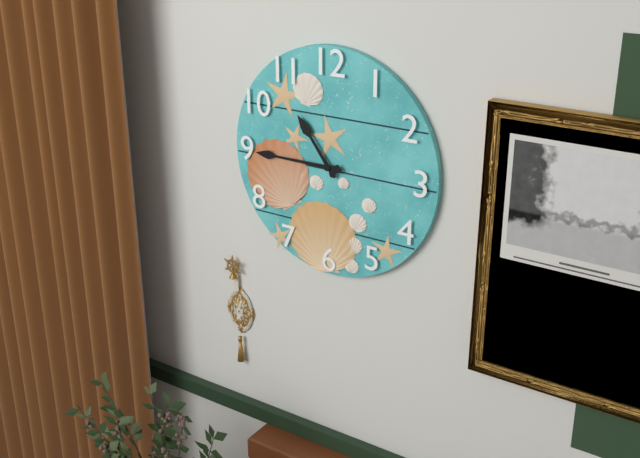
10:45
